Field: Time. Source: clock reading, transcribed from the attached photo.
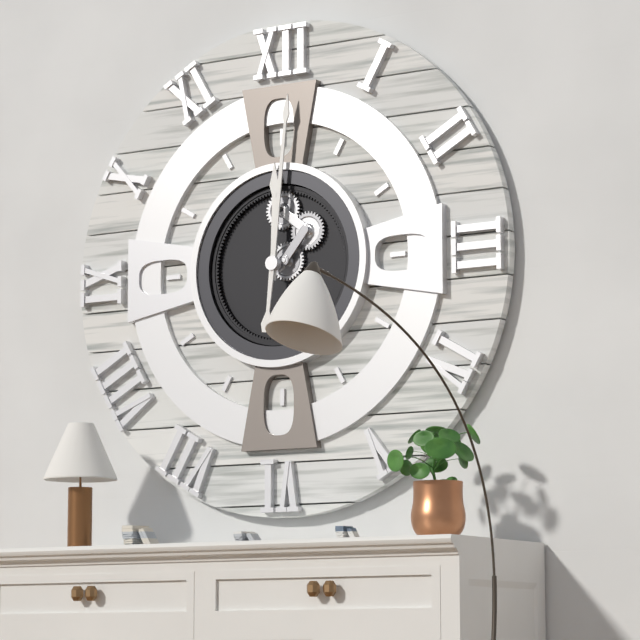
12:01
